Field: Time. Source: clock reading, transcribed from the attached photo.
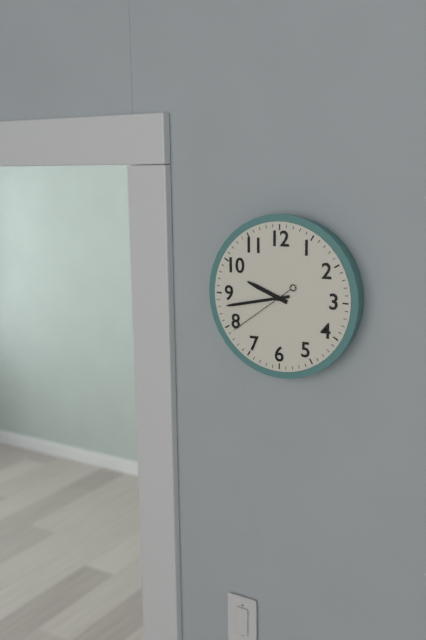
9:43:39
